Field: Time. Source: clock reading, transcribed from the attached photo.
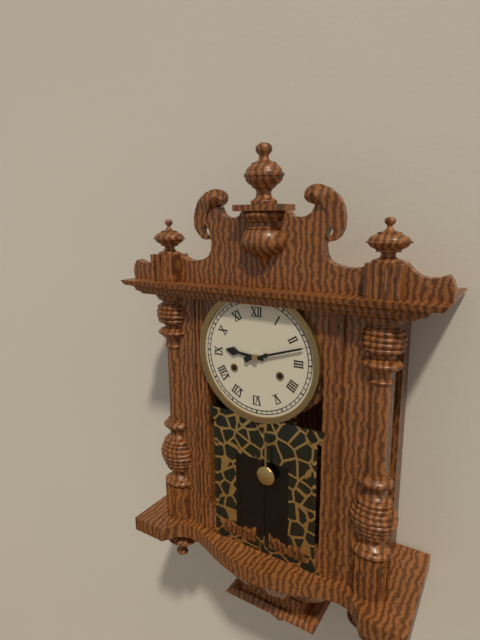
9:12
